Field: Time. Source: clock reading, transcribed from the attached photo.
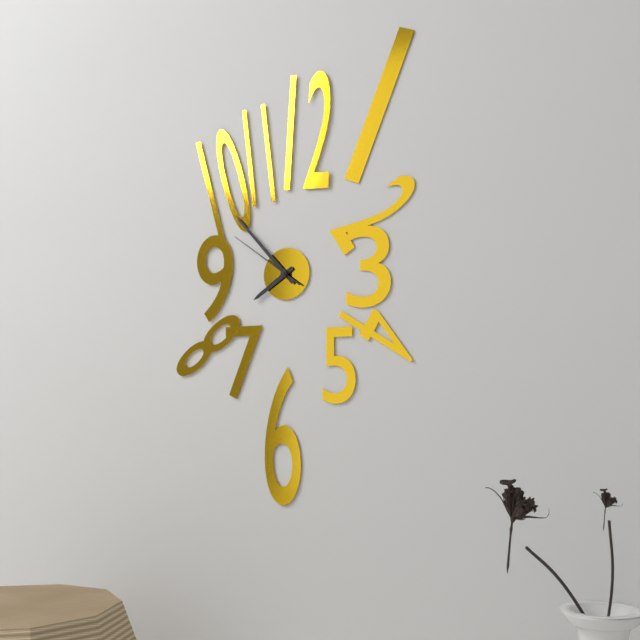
7:53:51
